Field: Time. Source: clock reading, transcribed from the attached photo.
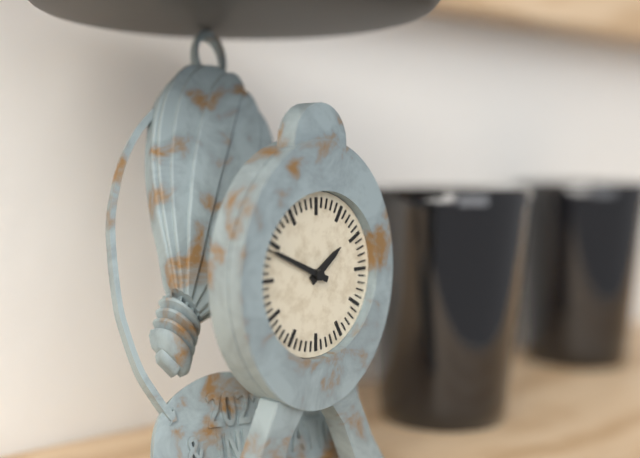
1:49
